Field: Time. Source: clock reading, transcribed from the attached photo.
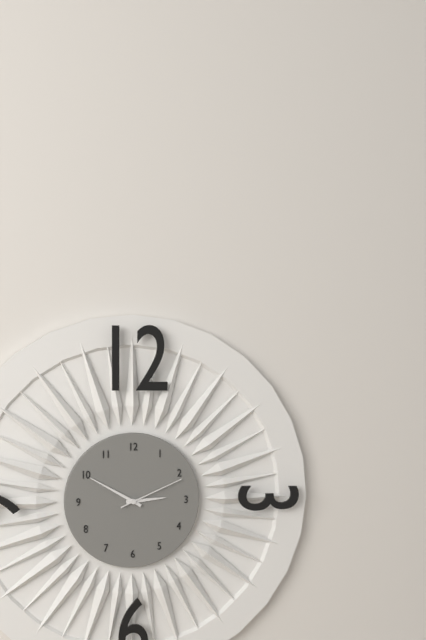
2:50:11
